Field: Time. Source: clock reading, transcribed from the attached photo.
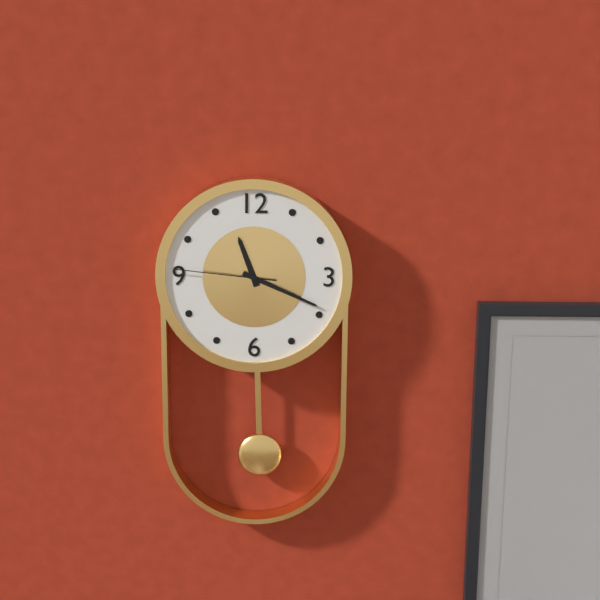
11:19:46
